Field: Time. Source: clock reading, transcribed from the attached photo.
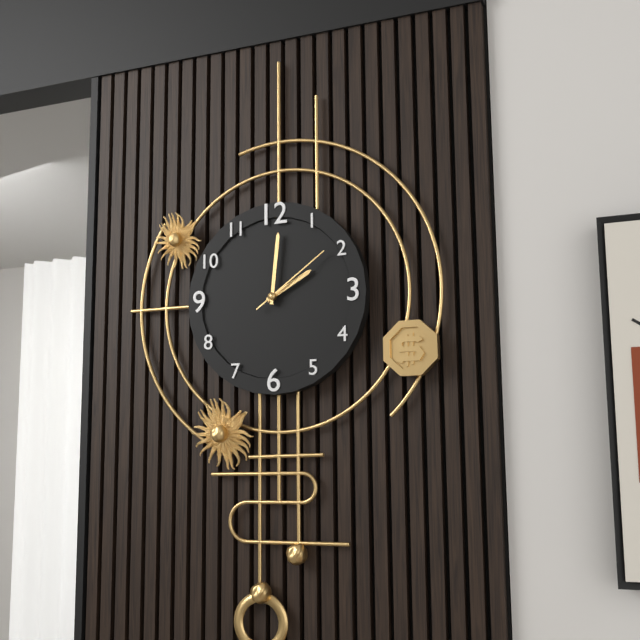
2:01:09
